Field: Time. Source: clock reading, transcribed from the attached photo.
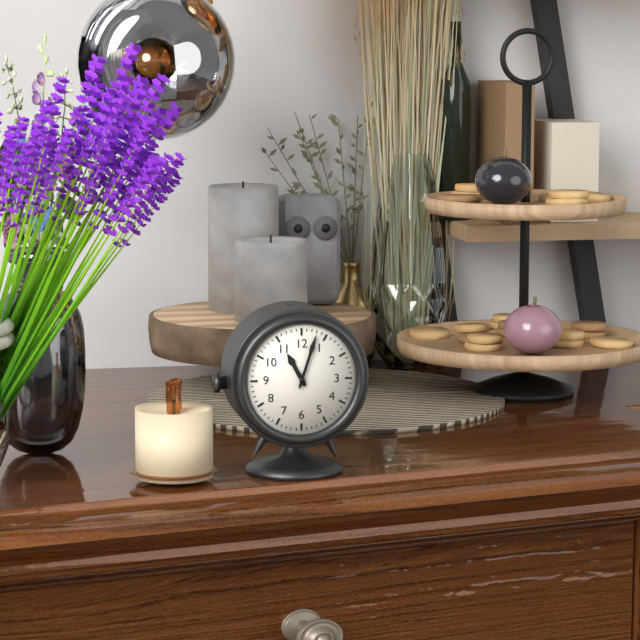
11:03
